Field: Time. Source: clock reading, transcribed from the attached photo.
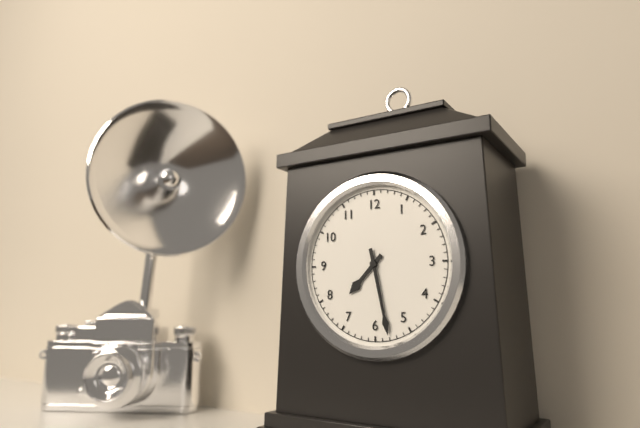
7:28
